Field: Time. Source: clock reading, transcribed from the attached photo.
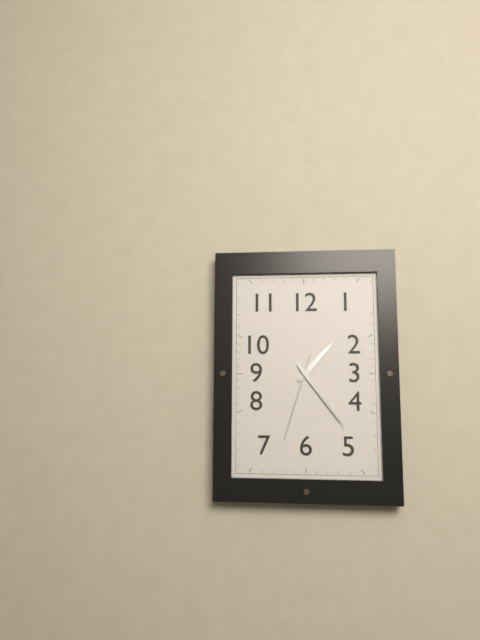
1:24:33
